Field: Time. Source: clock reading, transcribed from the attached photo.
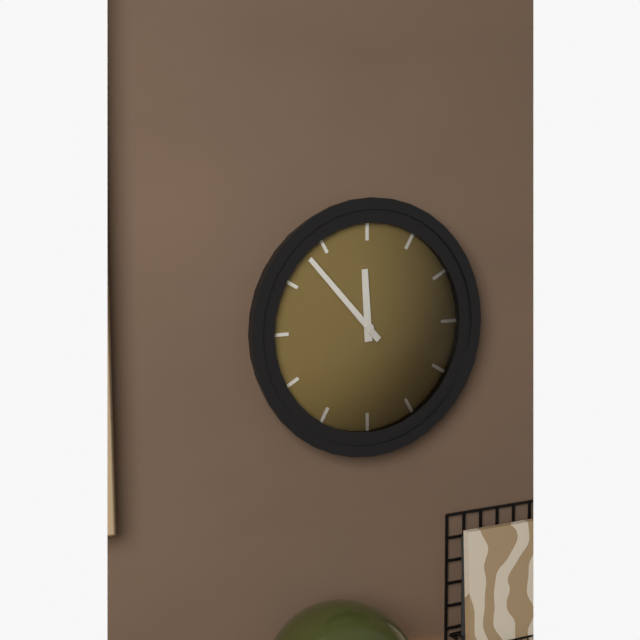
11:53
